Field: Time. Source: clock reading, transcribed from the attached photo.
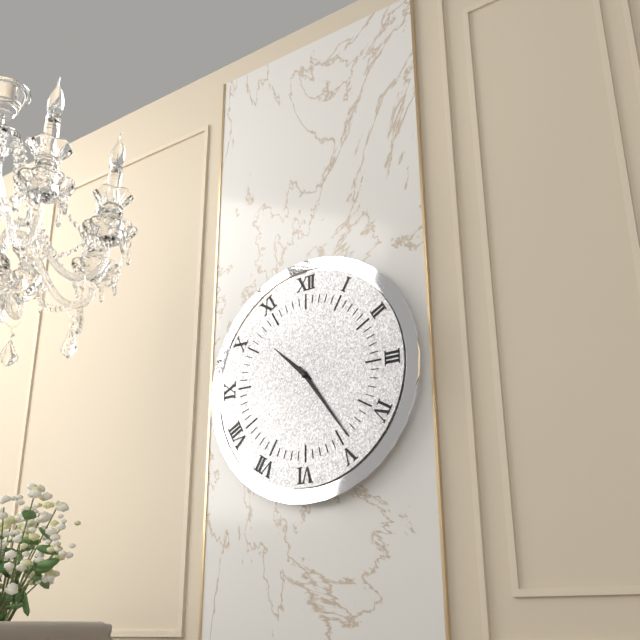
10:24
